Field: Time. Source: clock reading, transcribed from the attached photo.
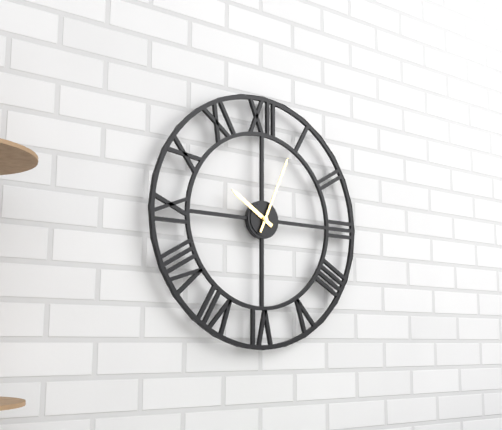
10:04
